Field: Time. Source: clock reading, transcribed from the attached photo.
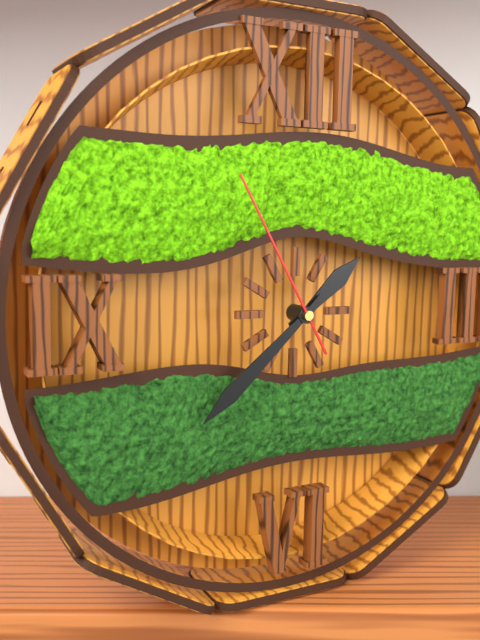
1:38:55
